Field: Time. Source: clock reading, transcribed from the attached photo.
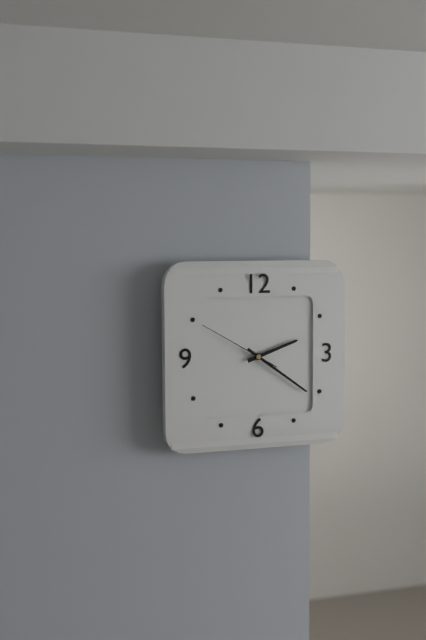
2:21:50
